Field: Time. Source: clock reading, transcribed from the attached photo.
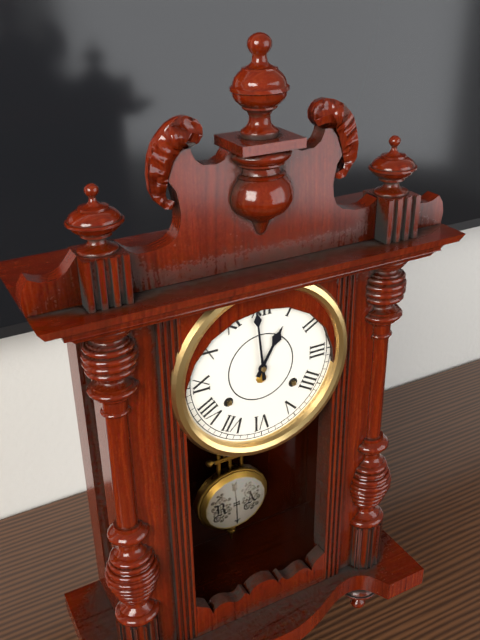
12:59
